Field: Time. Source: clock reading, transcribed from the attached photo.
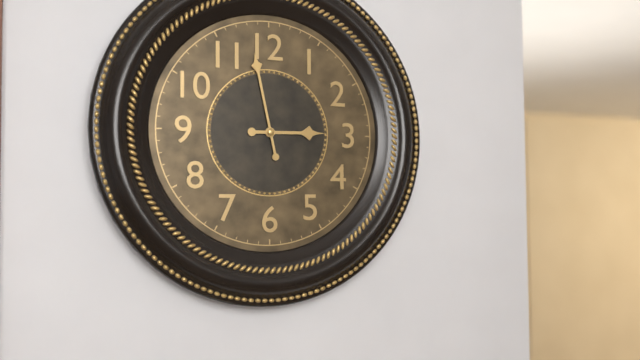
2:58
